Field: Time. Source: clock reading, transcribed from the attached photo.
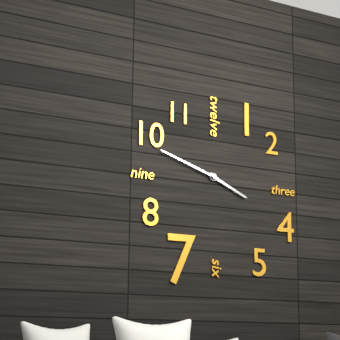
3:48
